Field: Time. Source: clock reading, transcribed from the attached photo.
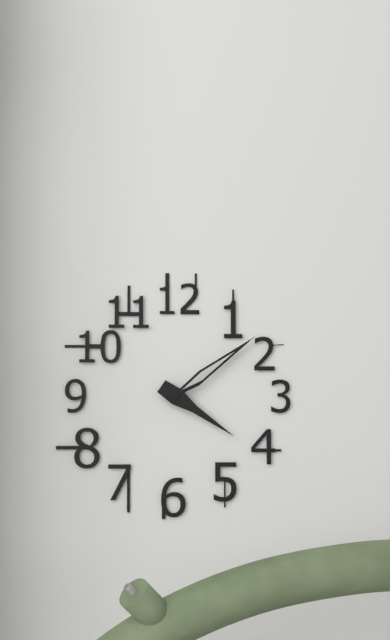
4:09
